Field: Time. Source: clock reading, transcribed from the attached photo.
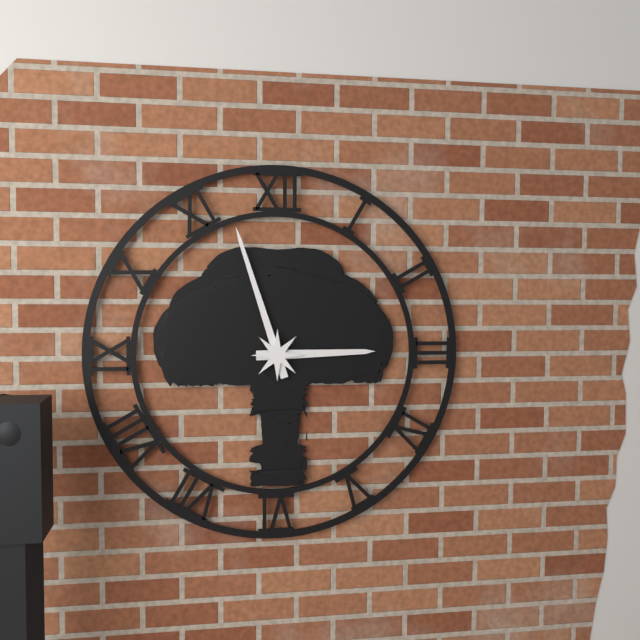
2:57
